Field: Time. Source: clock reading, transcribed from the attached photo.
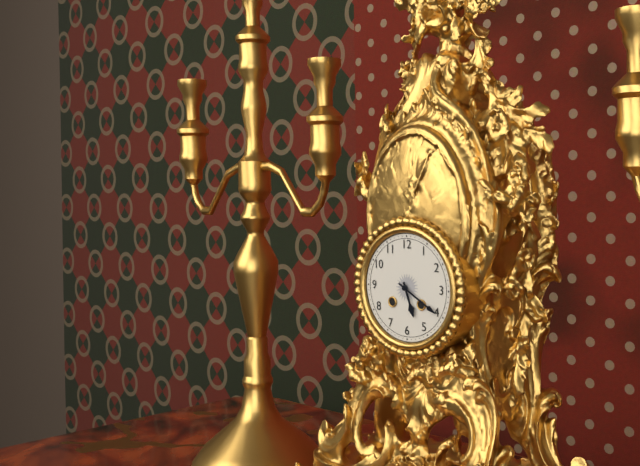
5:20
